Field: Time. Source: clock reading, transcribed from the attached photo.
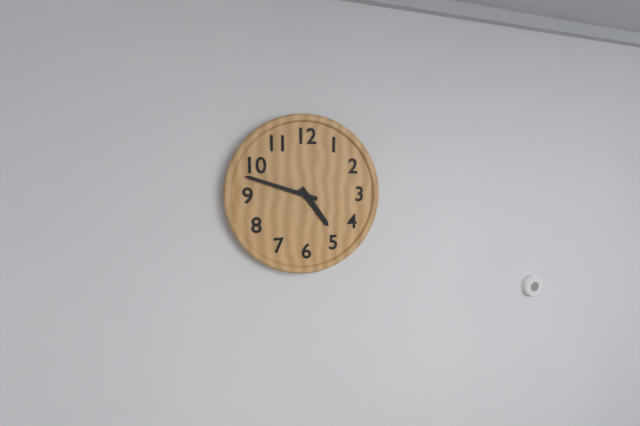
4:48
